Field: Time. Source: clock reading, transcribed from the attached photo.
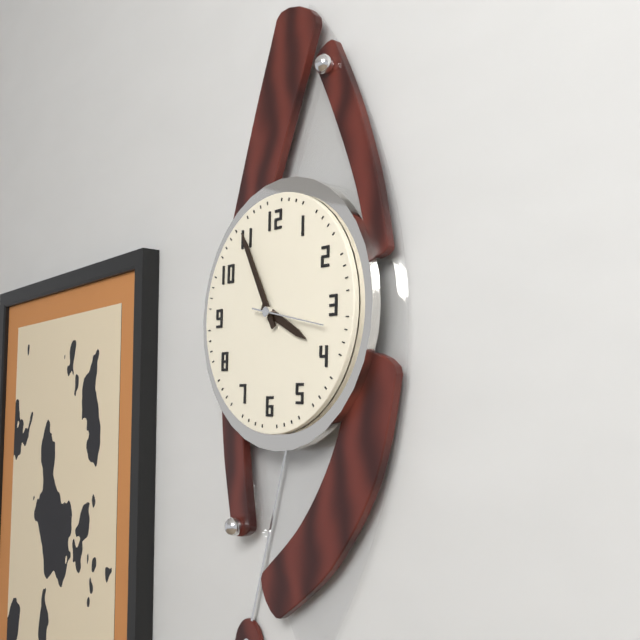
3:55
